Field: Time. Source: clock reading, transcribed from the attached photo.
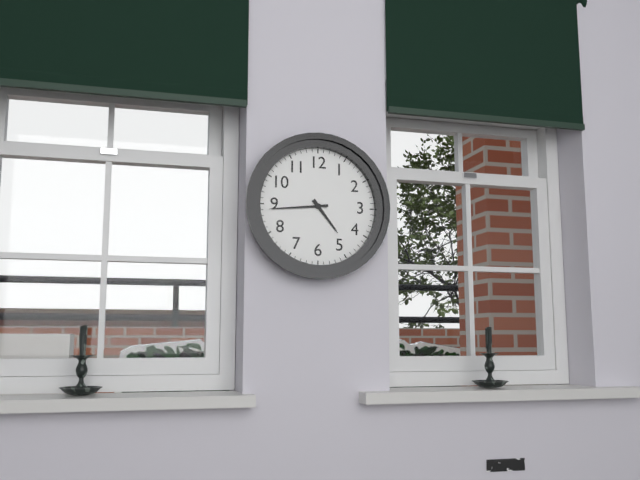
4:44
